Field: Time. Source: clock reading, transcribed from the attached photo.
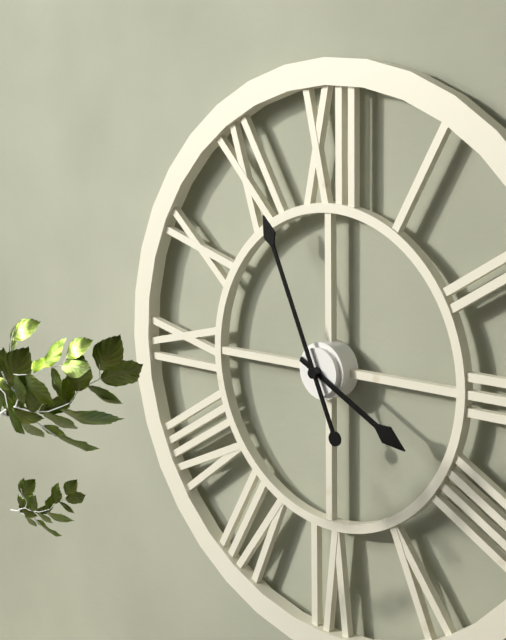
3:56
